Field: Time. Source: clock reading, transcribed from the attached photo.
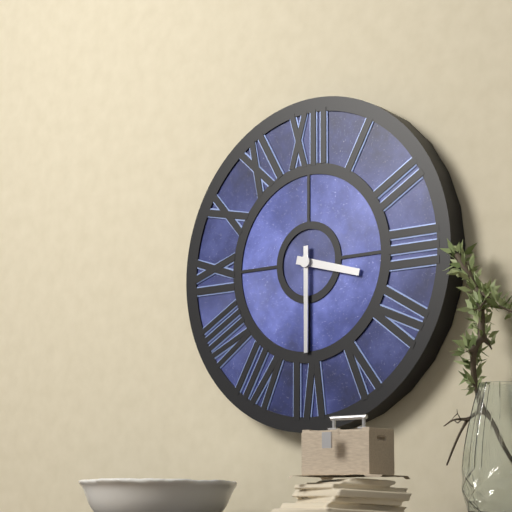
3:30
